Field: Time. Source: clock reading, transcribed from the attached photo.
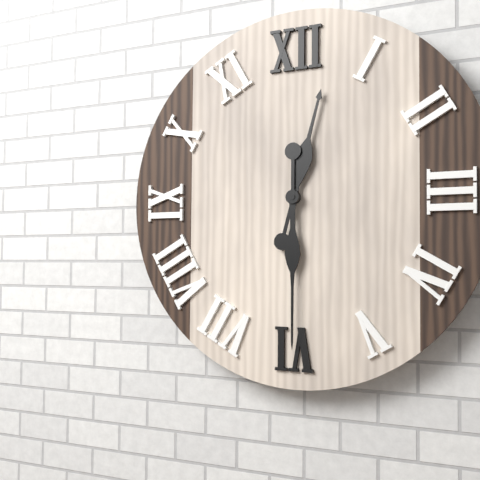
12:30
